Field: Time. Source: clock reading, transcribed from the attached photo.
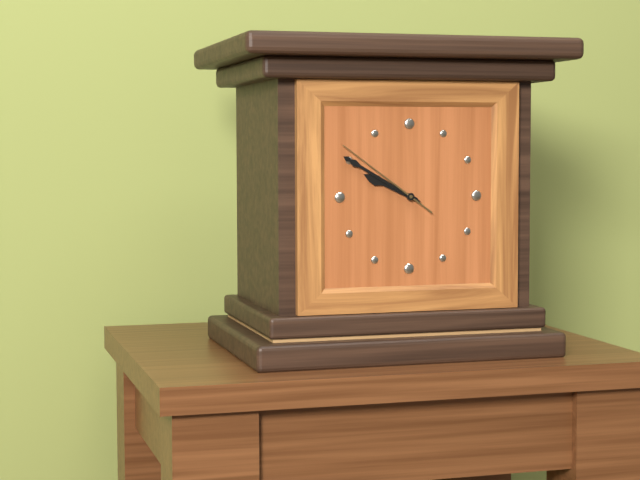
9:50:51
